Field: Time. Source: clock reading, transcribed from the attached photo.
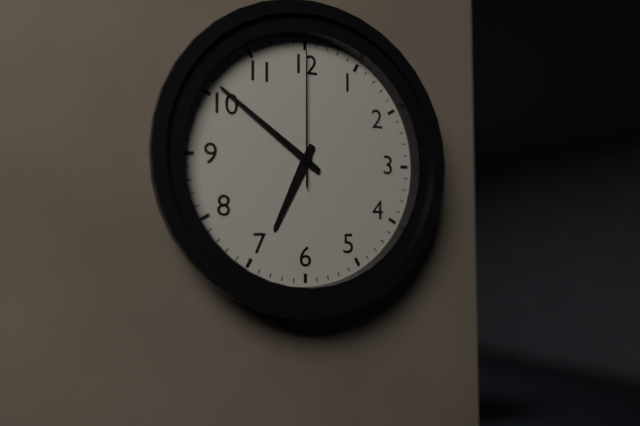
6:51:00
